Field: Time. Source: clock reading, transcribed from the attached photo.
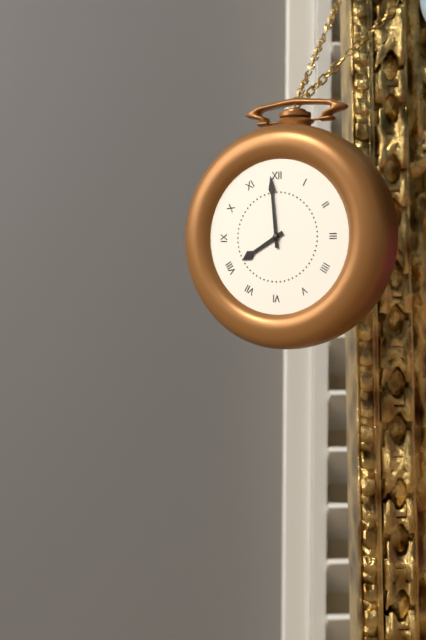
7:59
